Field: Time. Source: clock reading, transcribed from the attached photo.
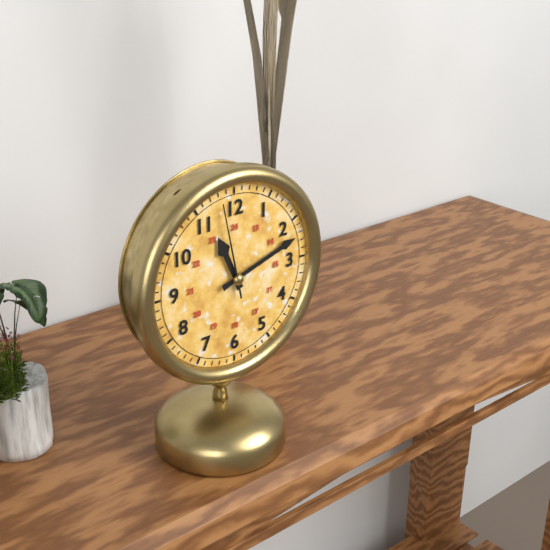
11:12:58
